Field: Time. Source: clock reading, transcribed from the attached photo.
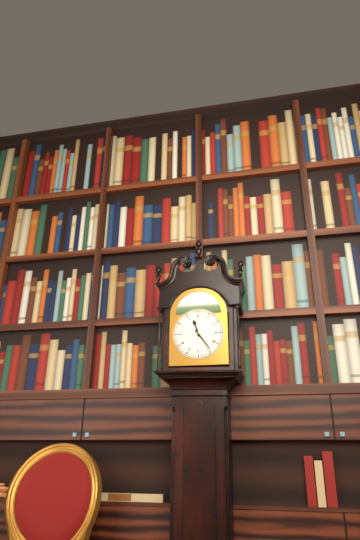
11:24
